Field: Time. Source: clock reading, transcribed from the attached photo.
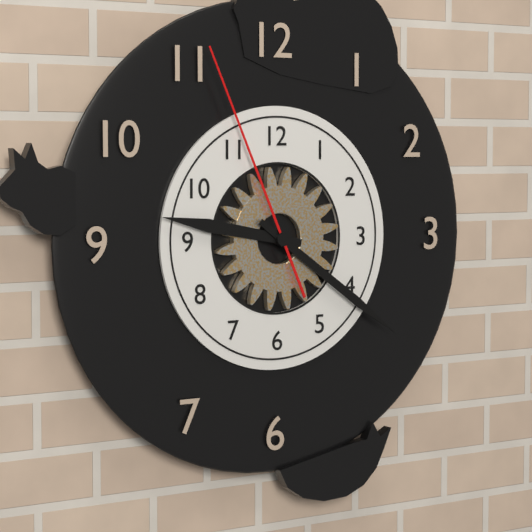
9:21:56
